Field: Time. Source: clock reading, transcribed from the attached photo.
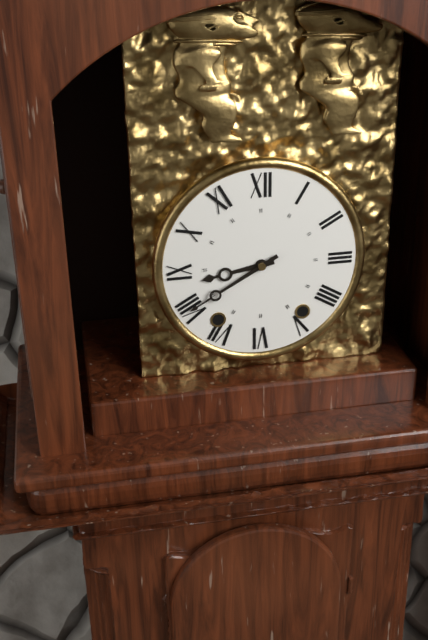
8:40
